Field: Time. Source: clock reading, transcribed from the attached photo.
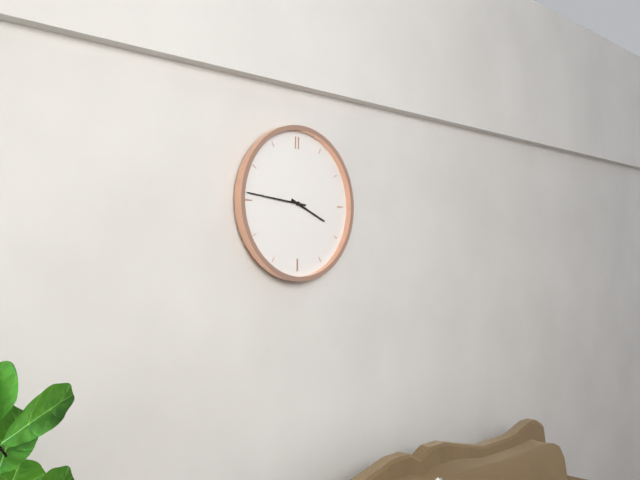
3:46
